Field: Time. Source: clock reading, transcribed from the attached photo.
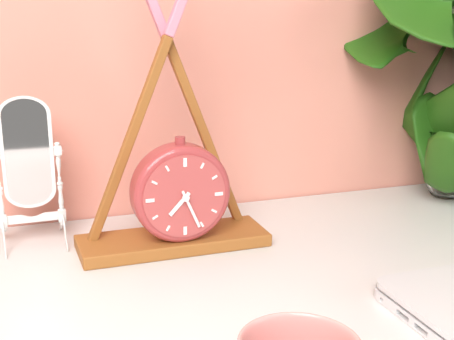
7:26
